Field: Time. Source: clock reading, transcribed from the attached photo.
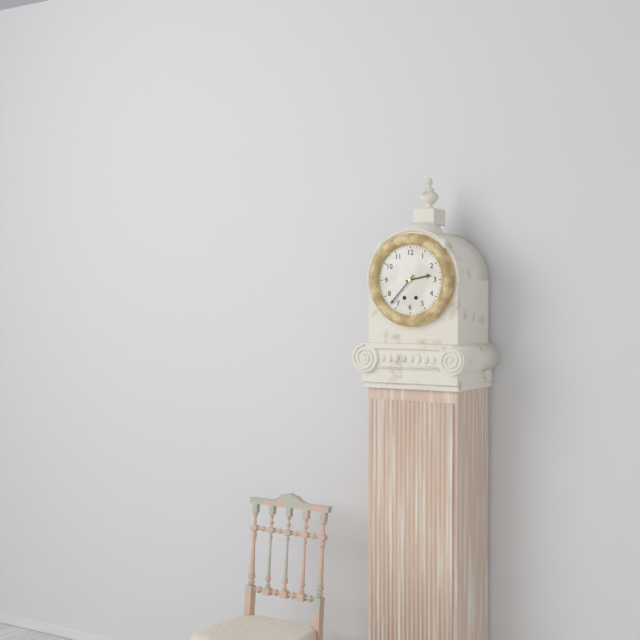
2:37
